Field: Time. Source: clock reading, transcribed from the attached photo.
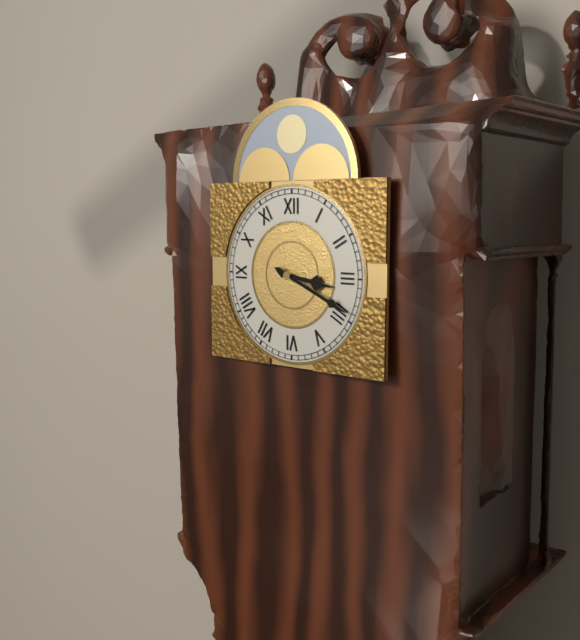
3:19
